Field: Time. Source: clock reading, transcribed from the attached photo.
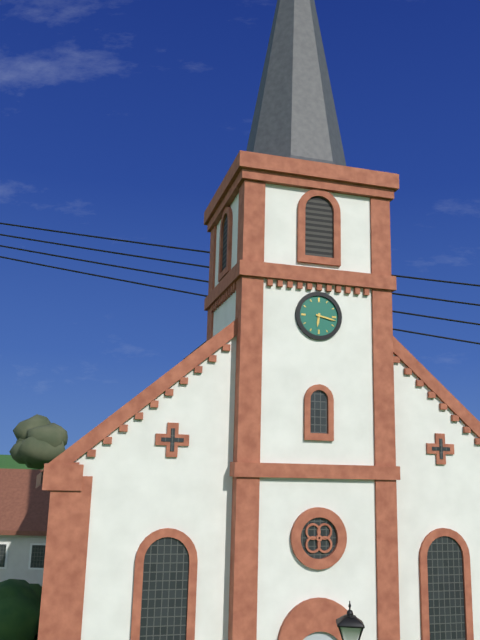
6:17
